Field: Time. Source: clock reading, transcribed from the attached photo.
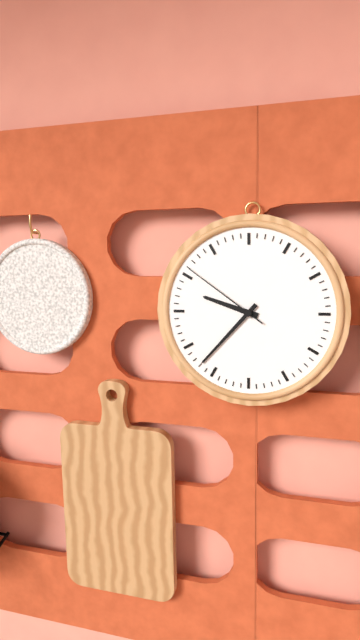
9:37:51
